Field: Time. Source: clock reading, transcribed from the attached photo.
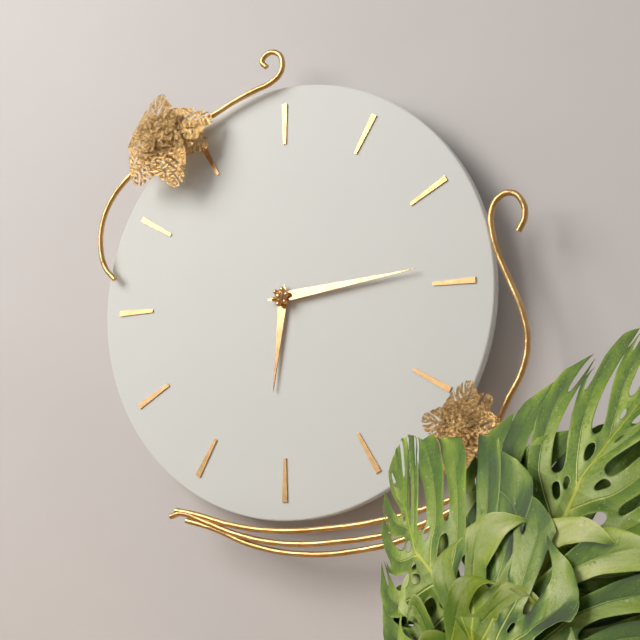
6:14
